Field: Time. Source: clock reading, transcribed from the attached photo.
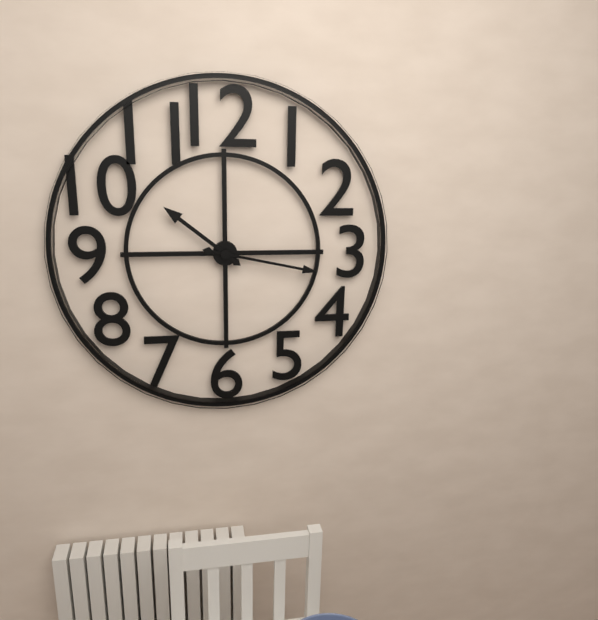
10:17
